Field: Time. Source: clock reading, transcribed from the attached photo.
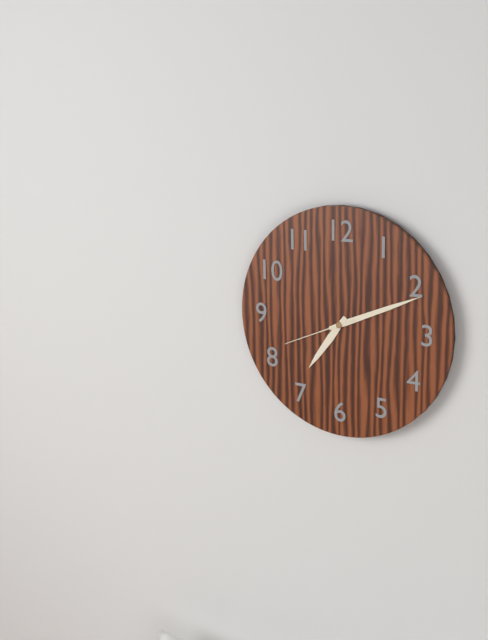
7:11:41
